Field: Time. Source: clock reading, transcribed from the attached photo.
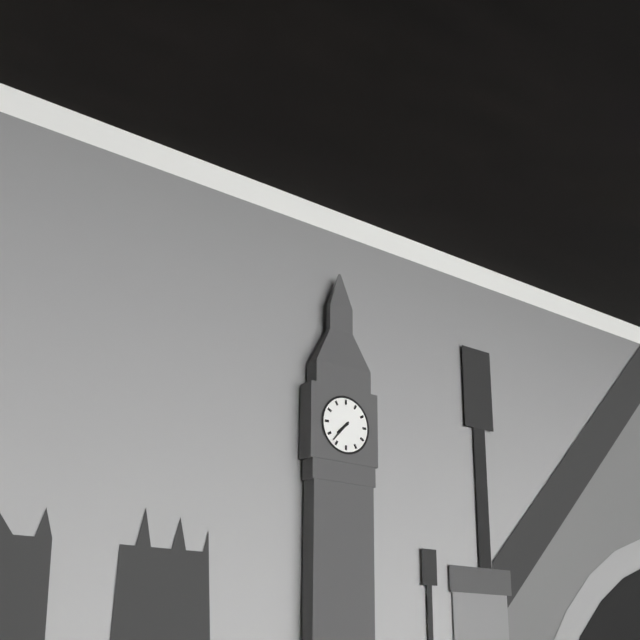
7:37
